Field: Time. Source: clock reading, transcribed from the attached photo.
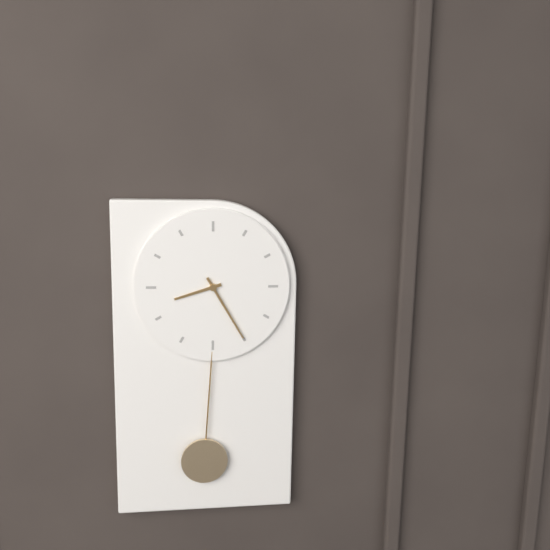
8:25
